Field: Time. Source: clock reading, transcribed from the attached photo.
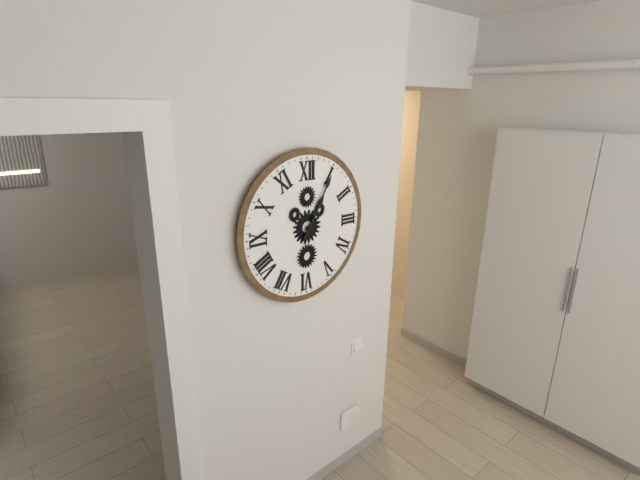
1:05
